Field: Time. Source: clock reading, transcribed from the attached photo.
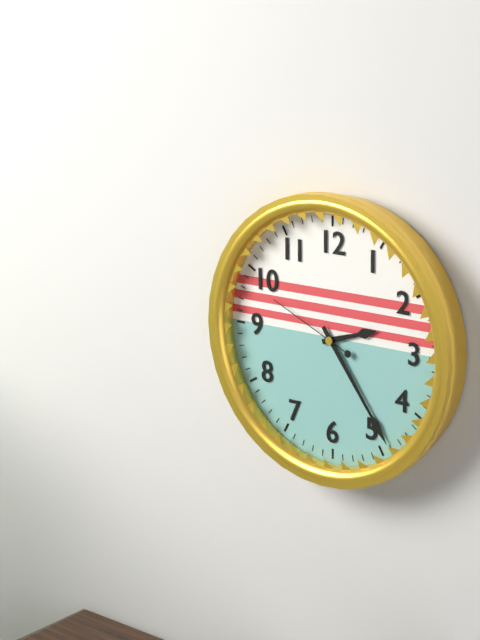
2:24:49
